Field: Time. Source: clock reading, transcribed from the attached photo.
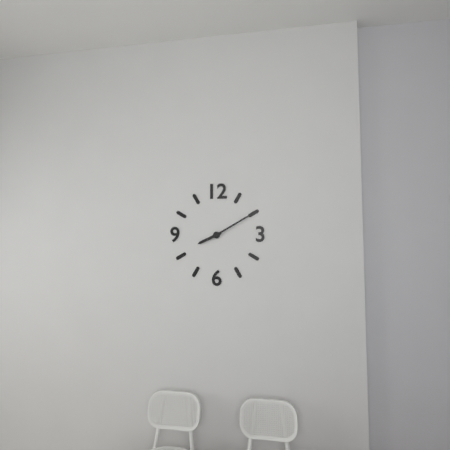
8:10
